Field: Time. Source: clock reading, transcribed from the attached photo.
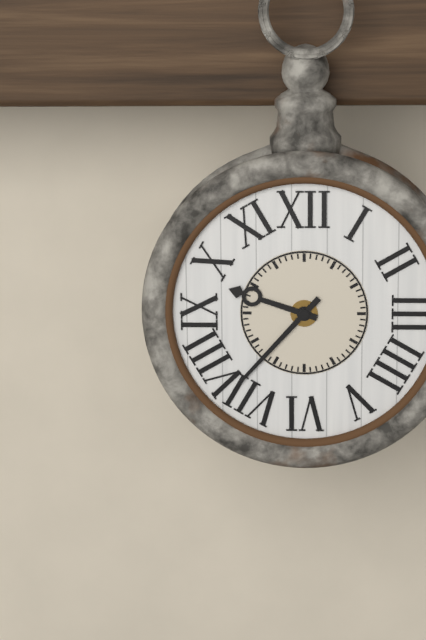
9:37
